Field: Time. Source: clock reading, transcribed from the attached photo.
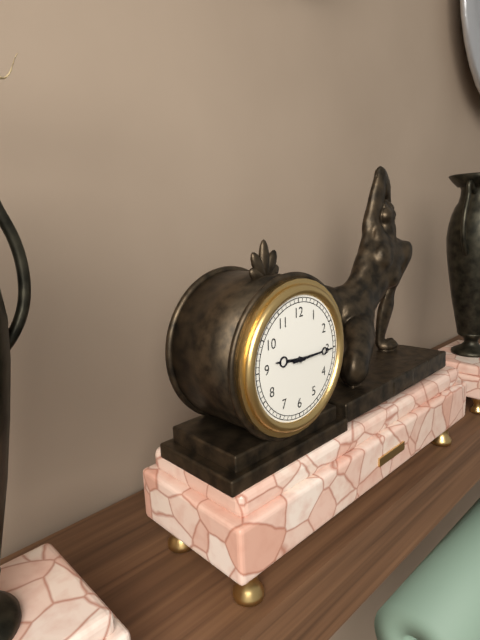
9:15
